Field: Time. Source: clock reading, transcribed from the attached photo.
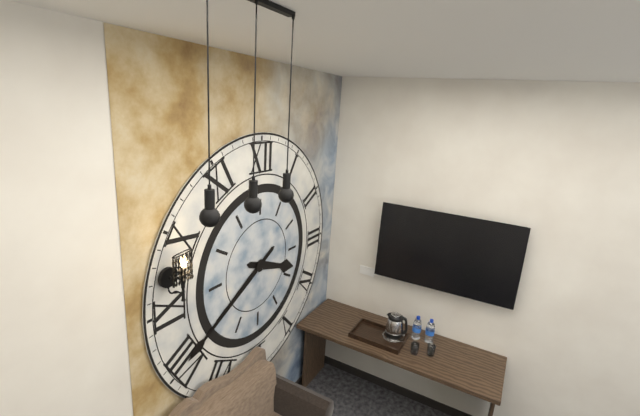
3:40
